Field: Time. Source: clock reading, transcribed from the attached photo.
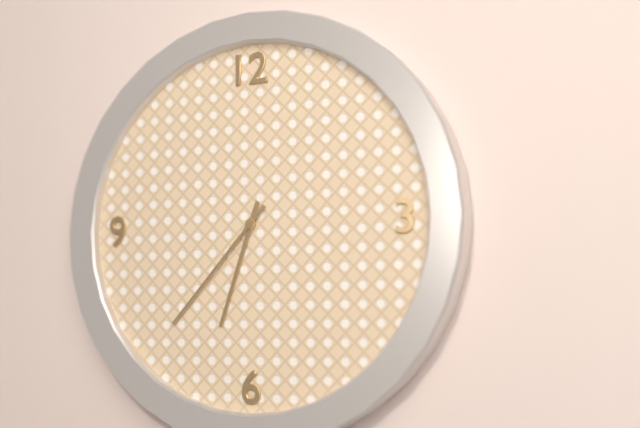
6:37
